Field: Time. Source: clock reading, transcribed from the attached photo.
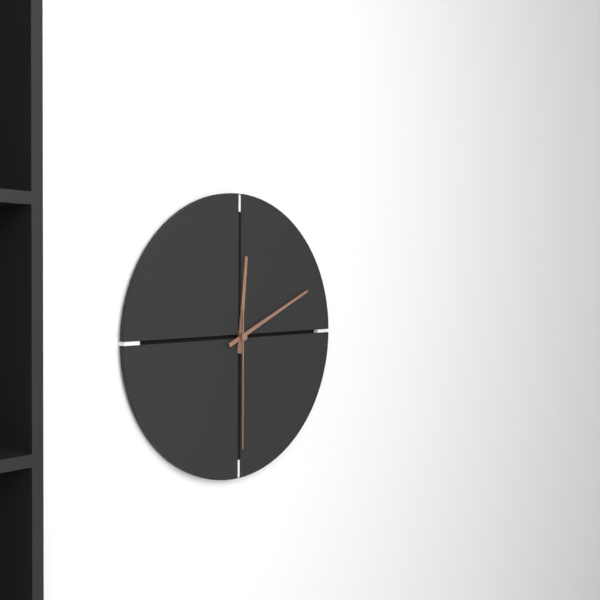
12:11:30
